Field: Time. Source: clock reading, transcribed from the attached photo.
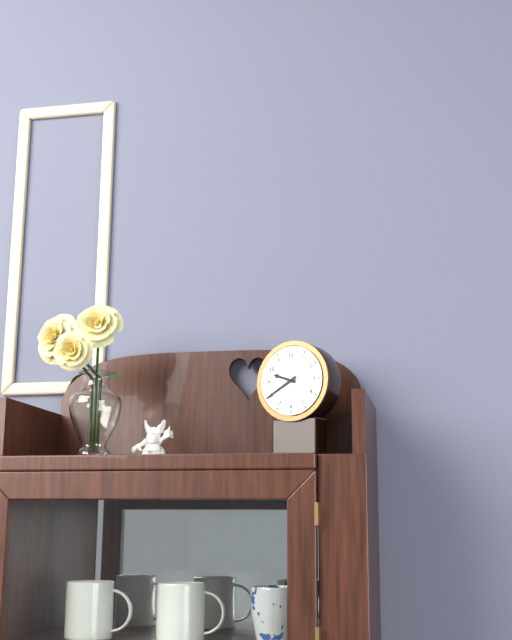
9:40
